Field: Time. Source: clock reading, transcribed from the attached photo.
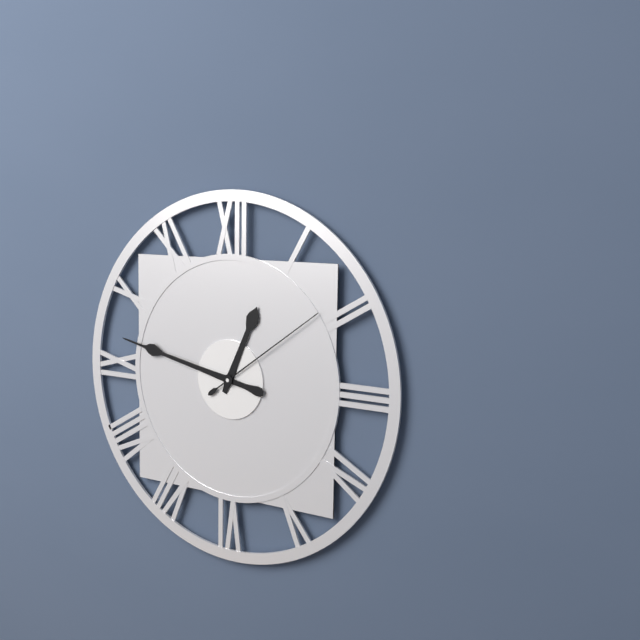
12:47:09
